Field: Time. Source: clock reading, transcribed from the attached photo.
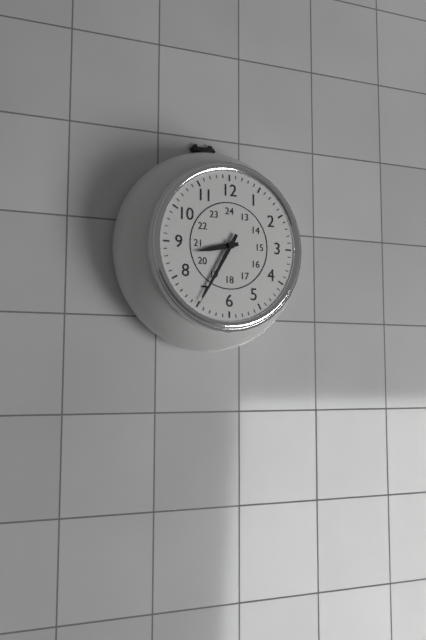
8:35
